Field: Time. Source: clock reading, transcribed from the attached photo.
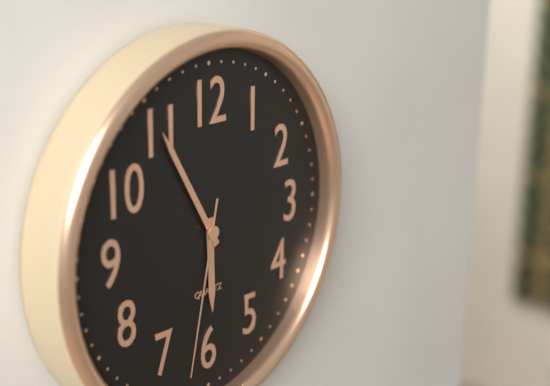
5:55:32
